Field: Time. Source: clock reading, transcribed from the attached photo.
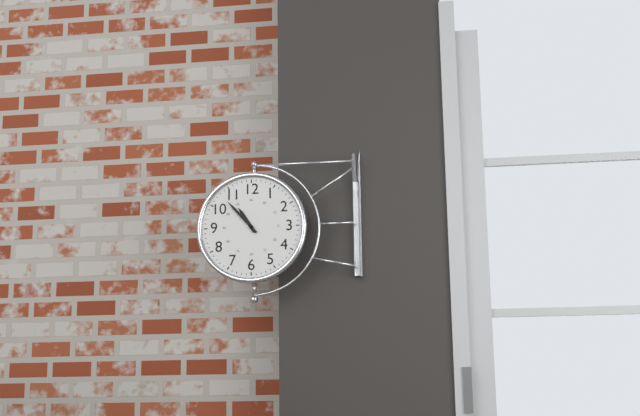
10:53
